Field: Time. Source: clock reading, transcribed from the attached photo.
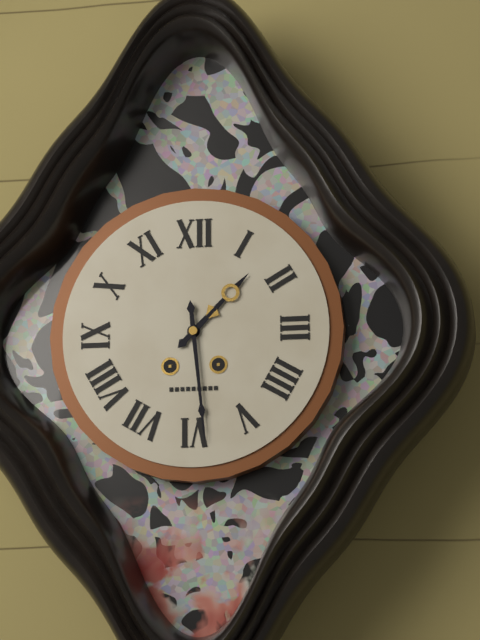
1:29
